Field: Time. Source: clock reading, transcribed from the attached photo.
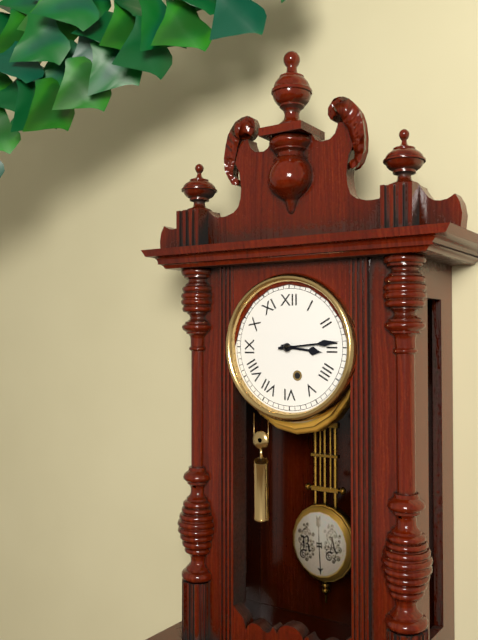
3:14
